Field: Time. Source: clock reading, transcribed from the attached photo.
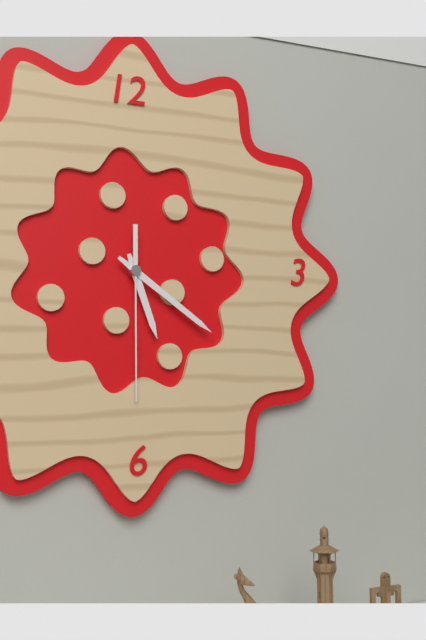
5:21:30
